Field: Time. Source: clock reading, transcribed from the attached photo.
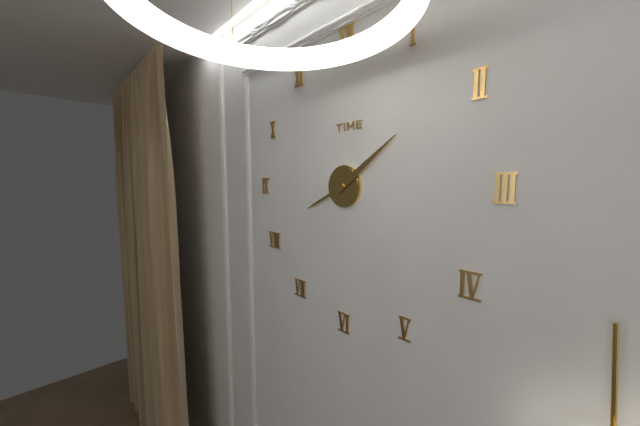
8:09
